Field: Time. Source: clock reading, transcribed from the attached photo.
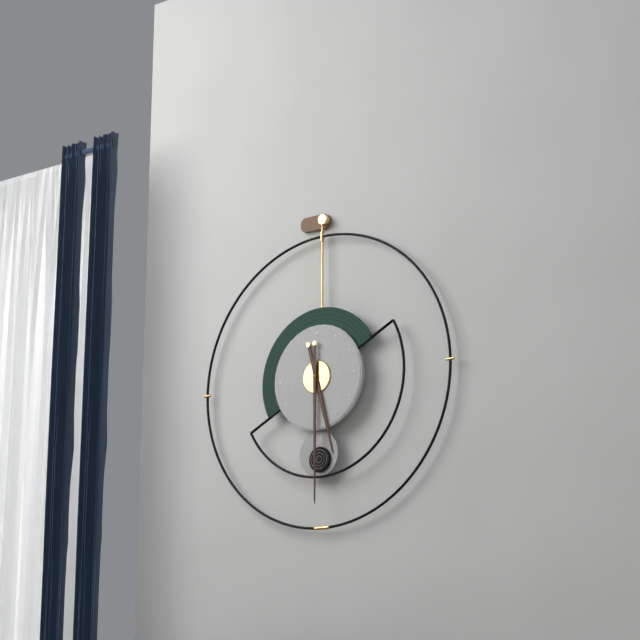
5:30
